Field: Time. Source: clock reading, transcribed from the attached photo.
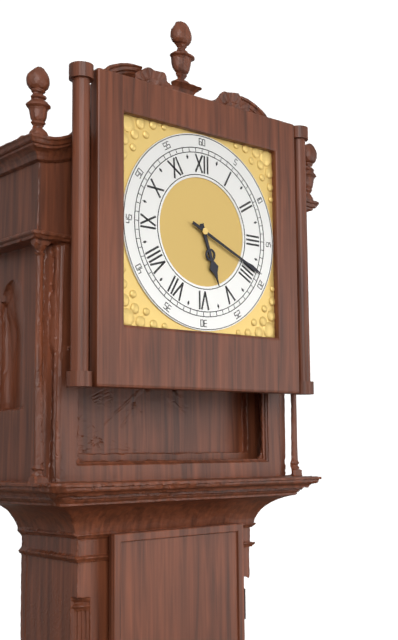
5:19
